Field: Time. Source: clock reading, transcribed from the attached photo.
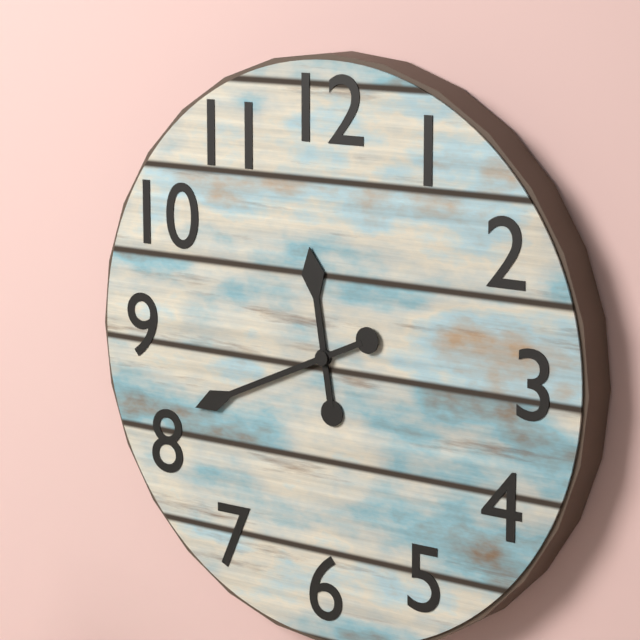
11:41
